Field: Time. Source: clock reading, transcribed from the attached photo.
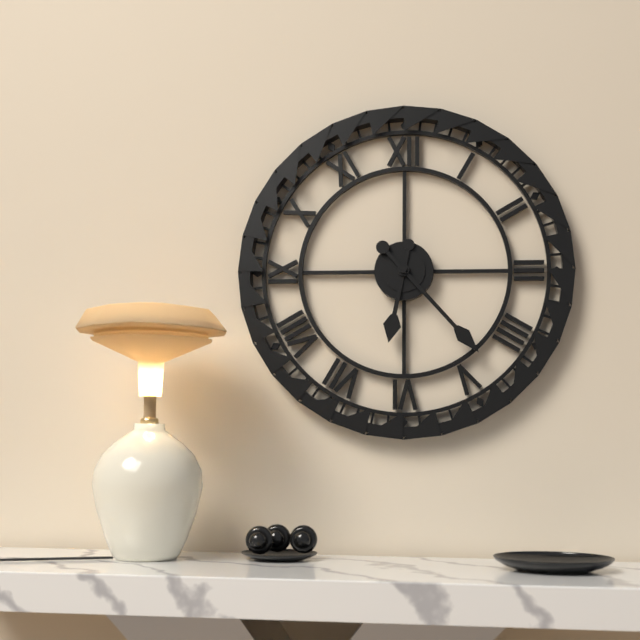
6:23
